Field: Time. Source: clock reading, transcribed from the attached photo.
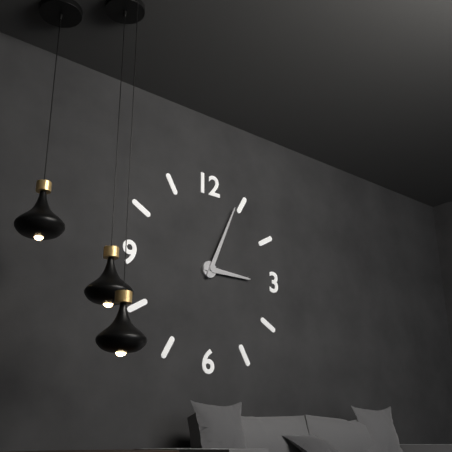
3:04
